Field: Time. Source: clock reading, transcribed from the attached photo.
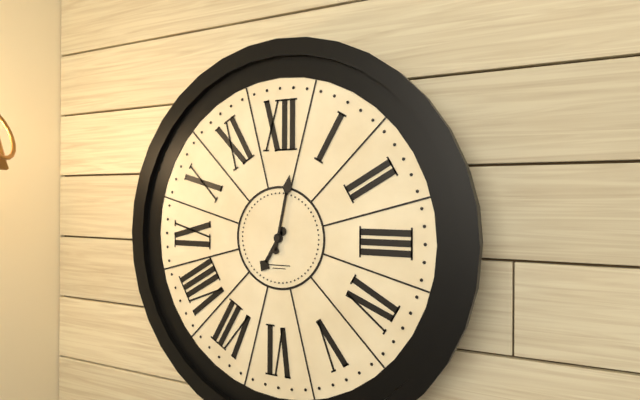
7:02
